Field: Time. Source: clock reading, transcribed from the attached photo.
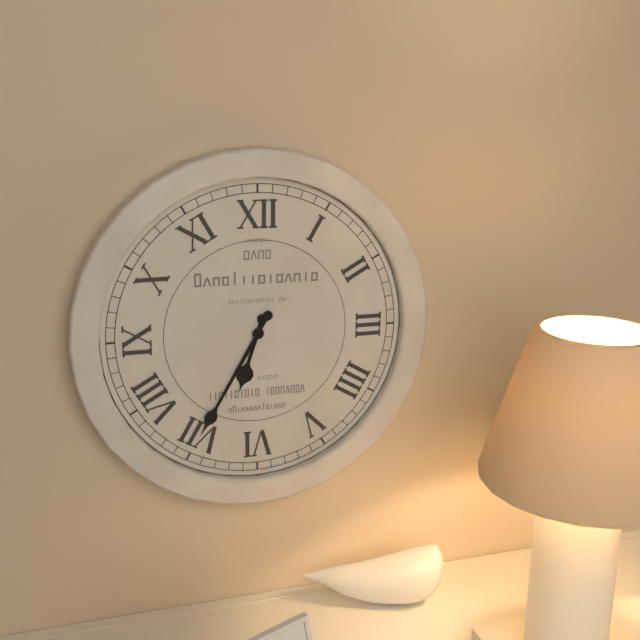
6:35
